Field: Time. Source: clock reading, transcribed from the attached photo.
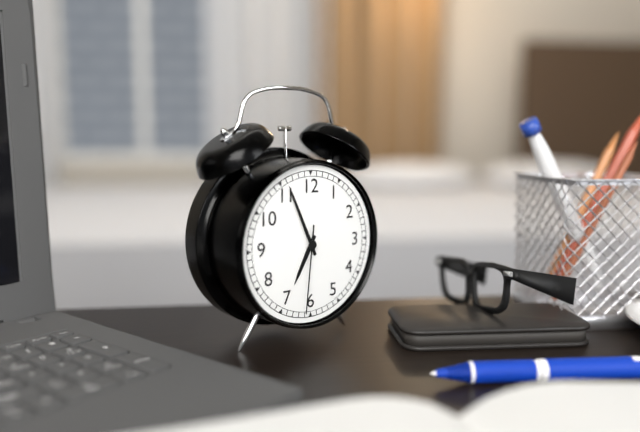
6:56:31
